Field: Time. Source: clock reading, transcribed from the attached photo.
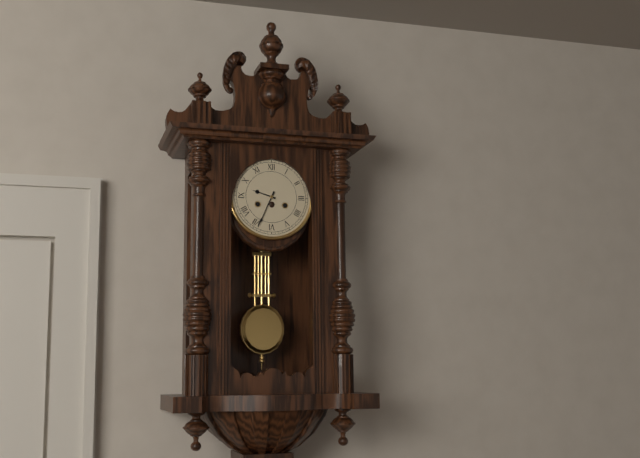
9:34
